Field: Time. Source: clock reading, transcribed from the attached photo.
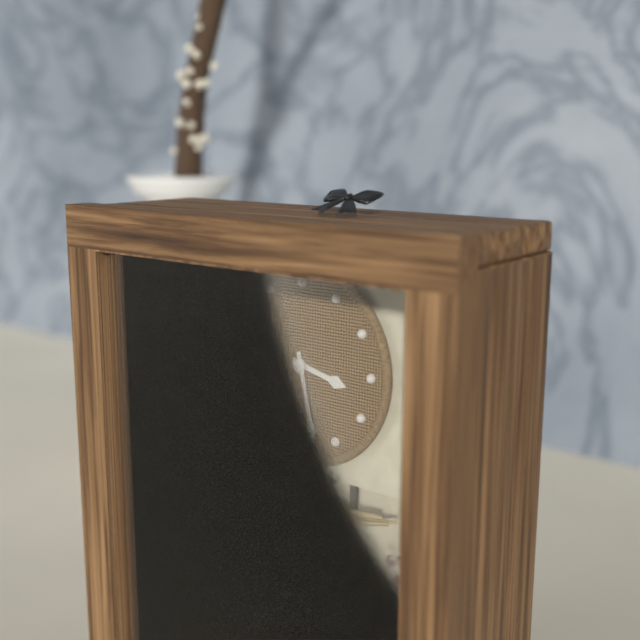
3:28
